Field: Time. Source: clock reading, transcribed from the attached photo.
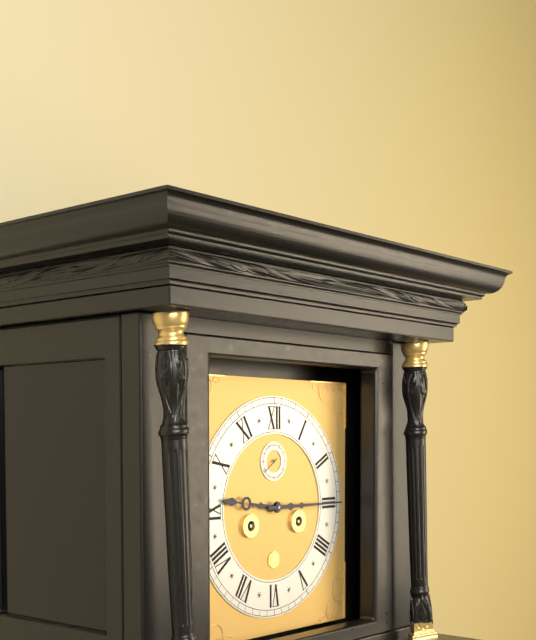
9:15
